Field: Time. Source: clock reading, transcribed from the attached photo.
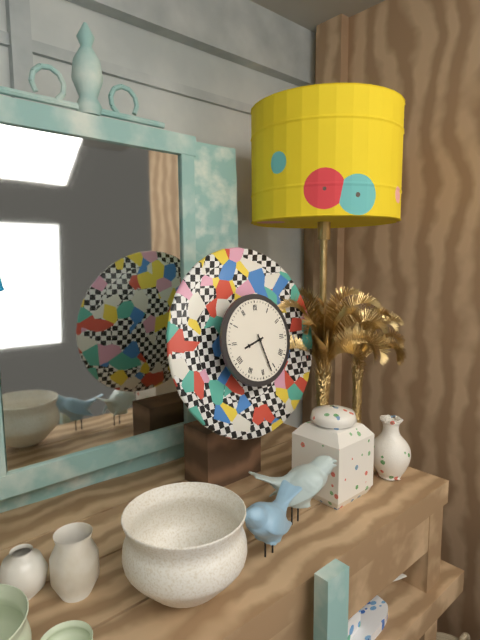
8:27
